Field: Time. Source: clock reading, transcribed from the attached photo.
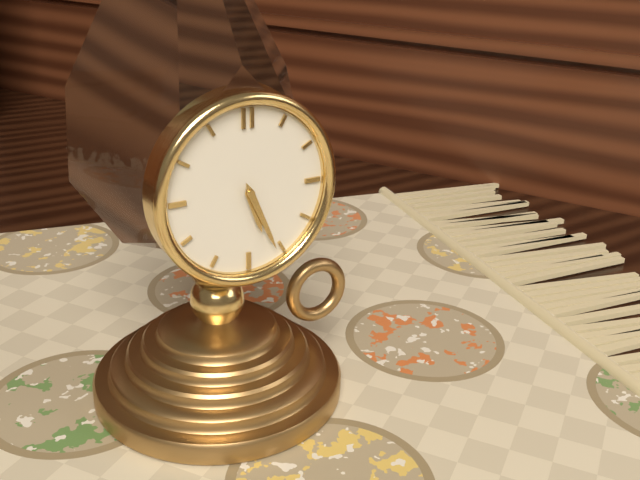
5:26
